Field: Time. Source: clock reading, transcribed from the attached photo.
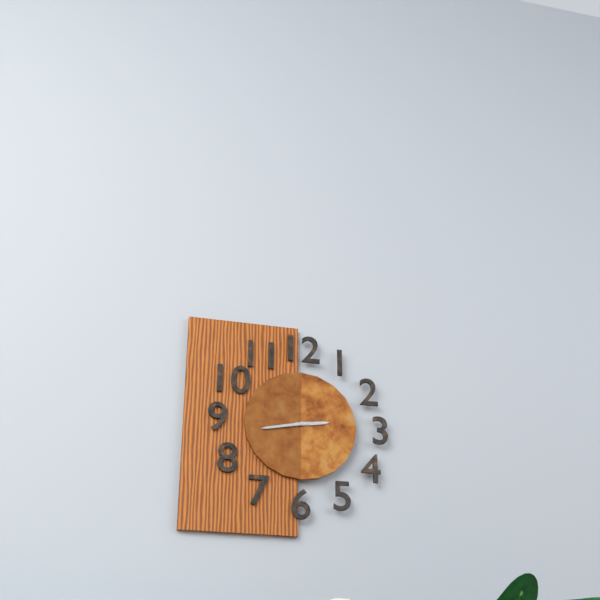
2:43
